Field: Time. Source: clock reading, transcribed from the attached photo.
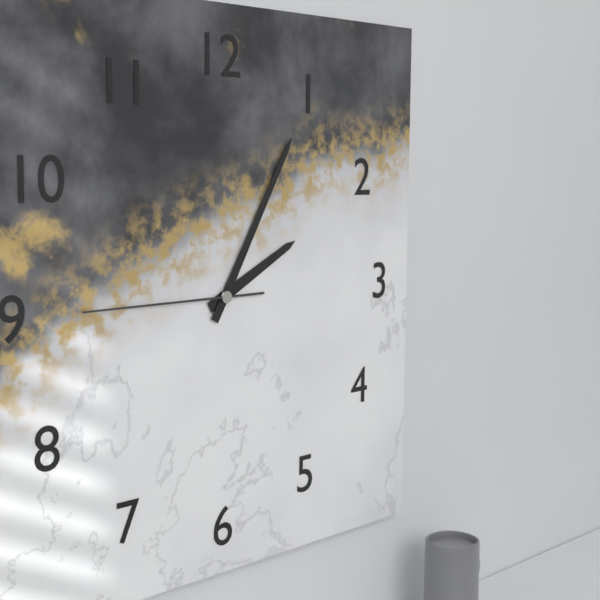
2:05:45
